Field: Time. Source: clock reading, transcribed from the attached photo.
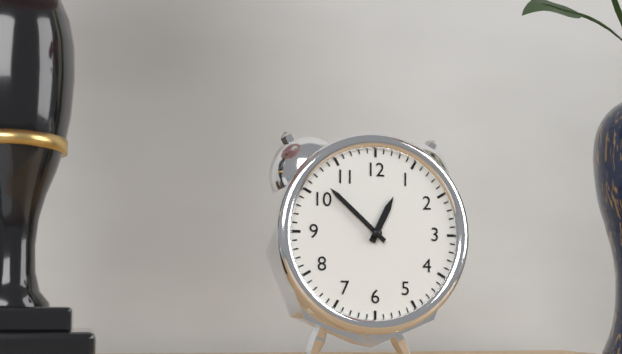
12:52
